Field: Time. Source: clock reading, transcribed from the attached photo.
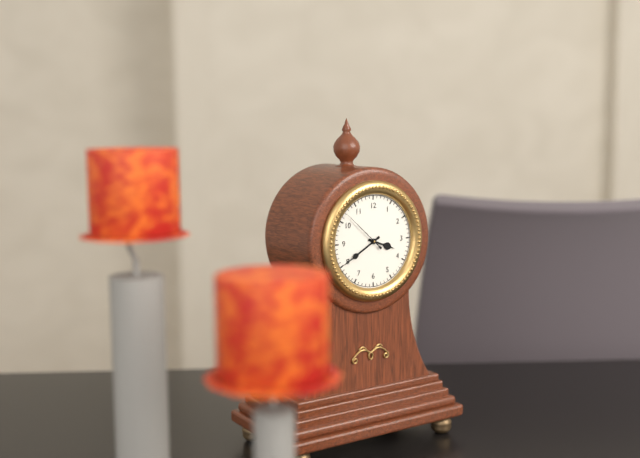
3:40
